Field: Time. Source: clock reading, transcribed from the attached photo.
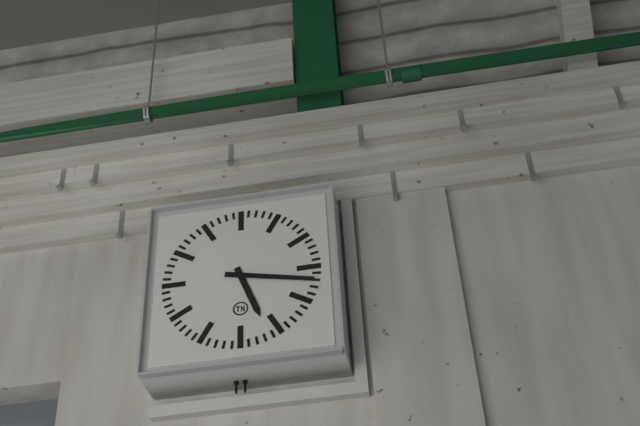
5:17
